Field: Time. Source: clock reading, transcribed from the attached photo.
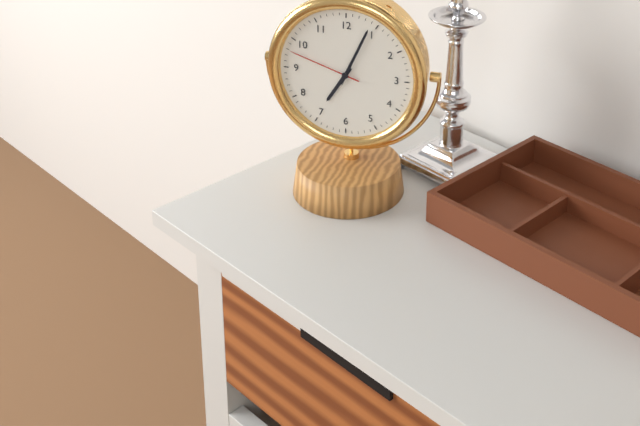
7:04:48
